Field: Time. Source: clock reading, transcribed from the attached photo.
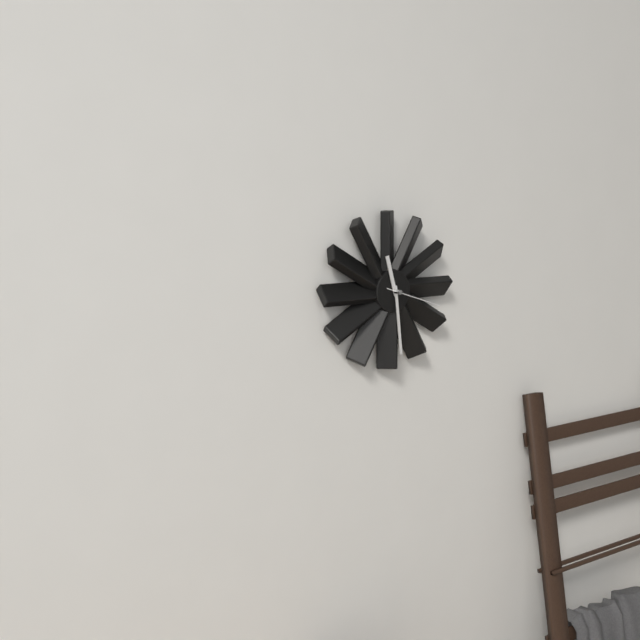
11:29:18
